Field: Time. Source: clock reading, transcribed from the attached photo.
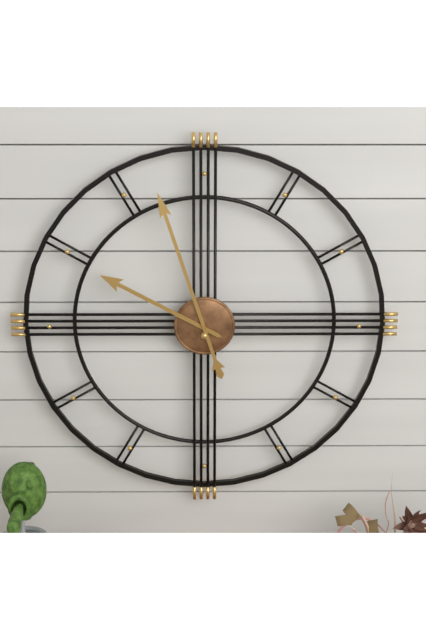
9:57
